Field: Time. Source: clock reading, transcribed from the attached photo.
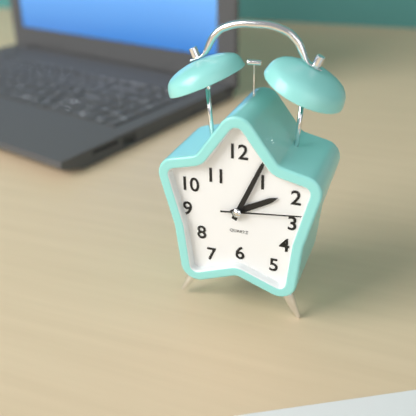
2:04:14
